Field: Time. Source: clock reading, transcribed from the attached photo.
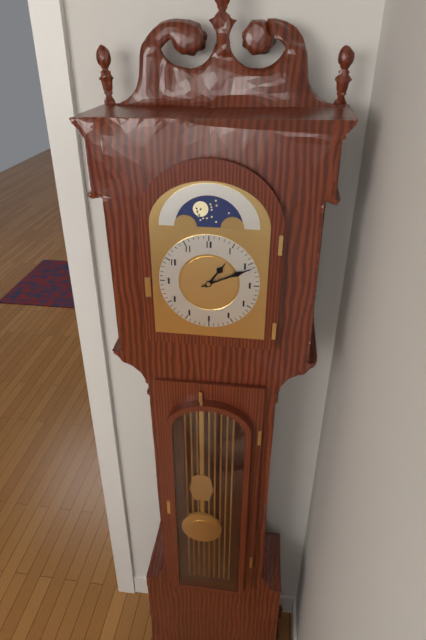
1:11
